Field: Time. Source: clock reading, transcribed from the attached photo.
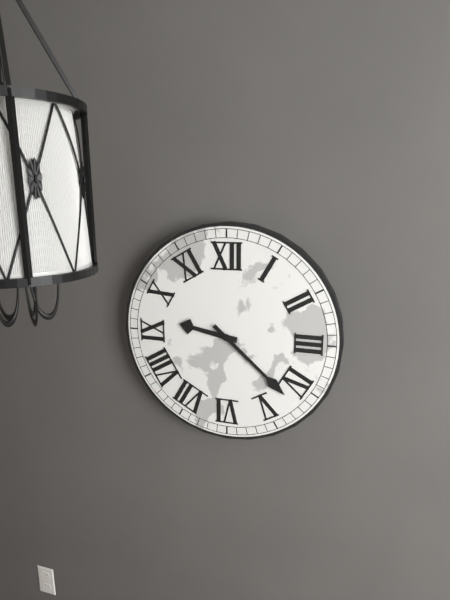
9:22
